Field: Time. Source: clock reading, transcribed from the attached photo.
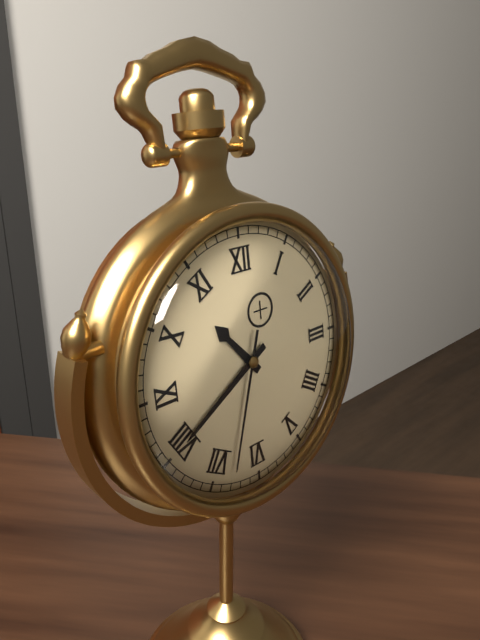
10:40:33
